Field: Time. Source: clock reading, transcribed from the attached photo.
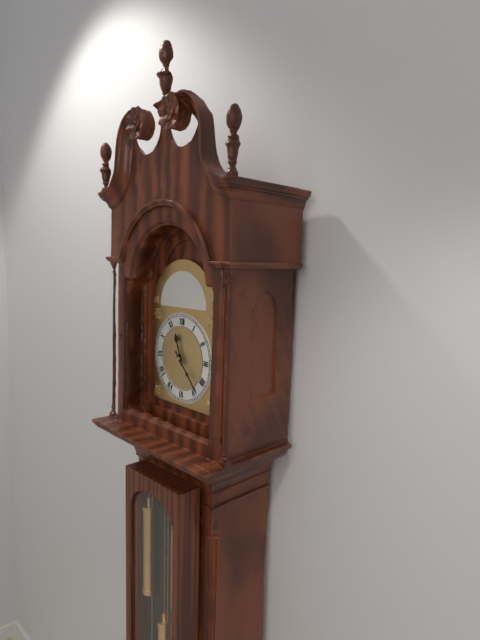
11:23
